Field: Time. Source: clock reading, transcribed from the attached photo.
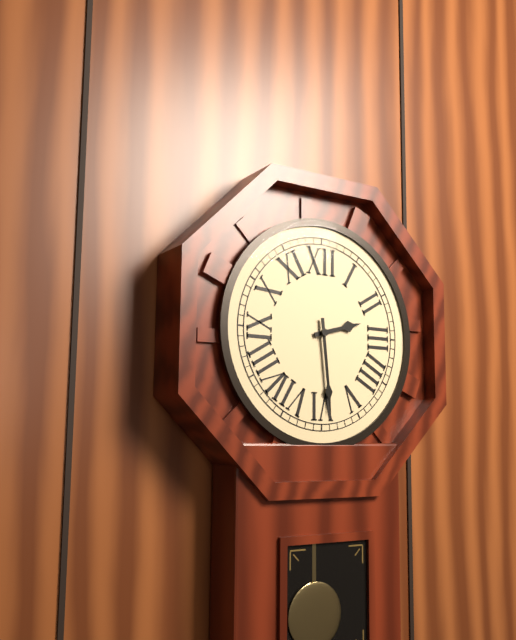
2:29
